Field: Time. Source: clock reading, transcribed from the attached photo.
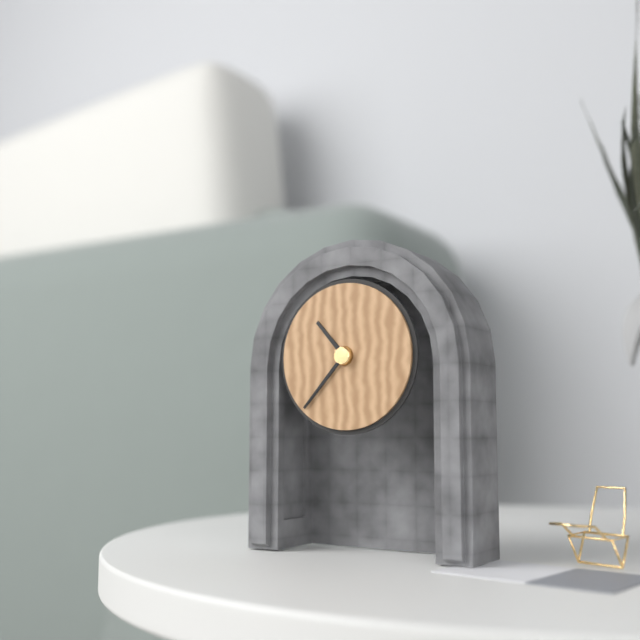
10:37
